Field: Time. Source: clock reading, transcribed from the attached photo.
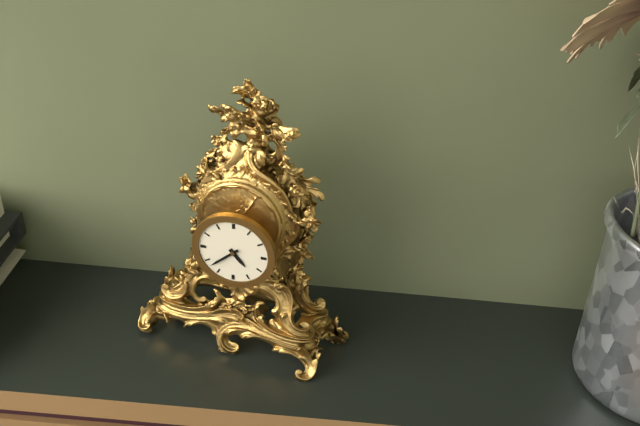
4:38
